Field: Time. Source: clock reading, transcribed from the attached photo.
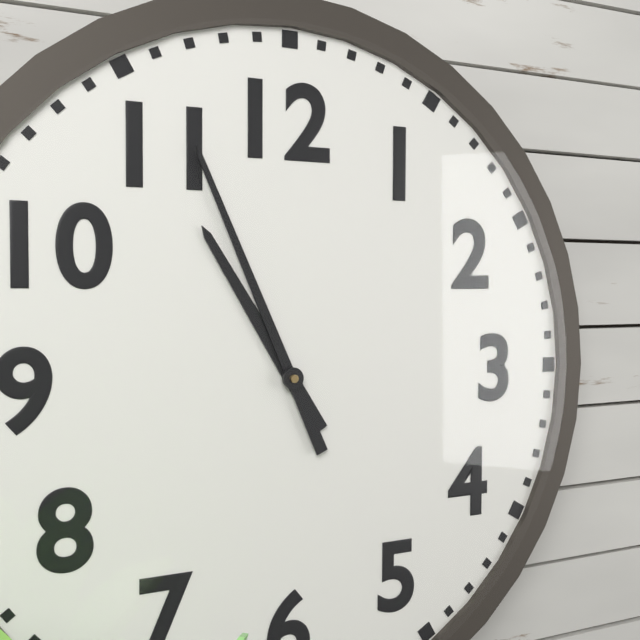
10:56
